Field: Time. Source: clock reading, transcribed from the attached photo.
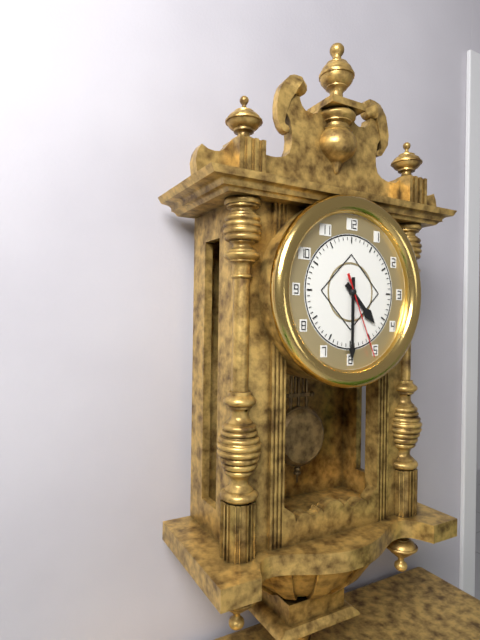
4:30:26
